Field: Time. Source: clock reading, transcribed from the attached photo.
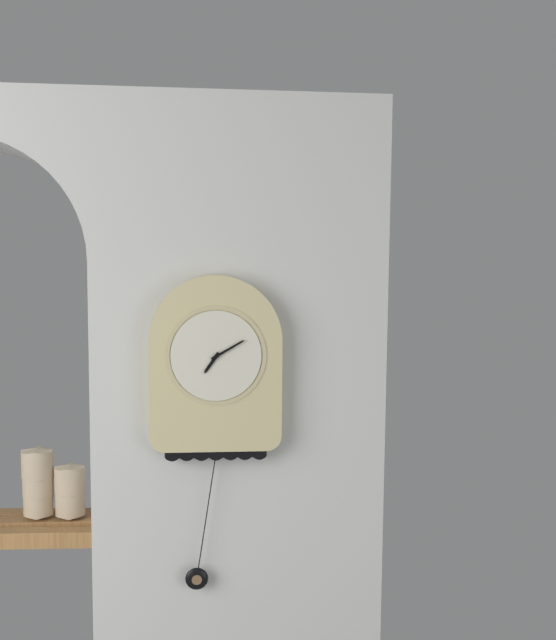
7:10
